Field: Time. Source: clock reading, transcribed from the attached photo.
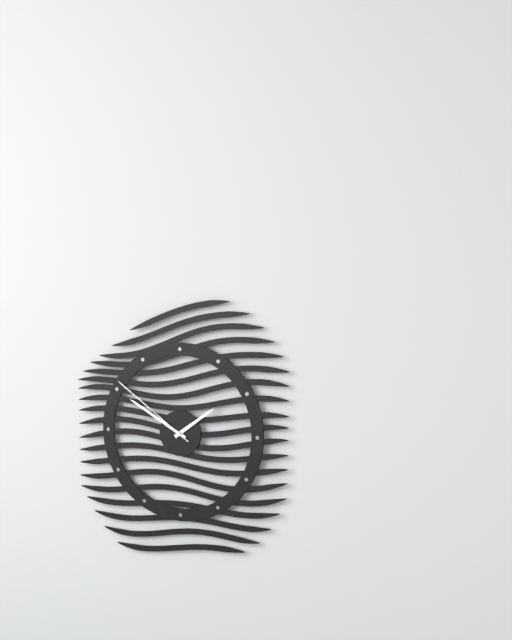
1:50:51
